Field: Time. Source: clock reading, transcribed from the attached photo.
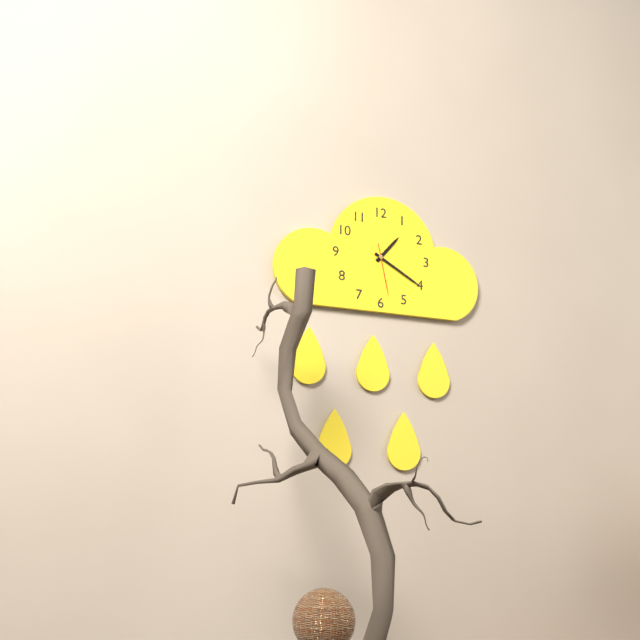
1:20:28
